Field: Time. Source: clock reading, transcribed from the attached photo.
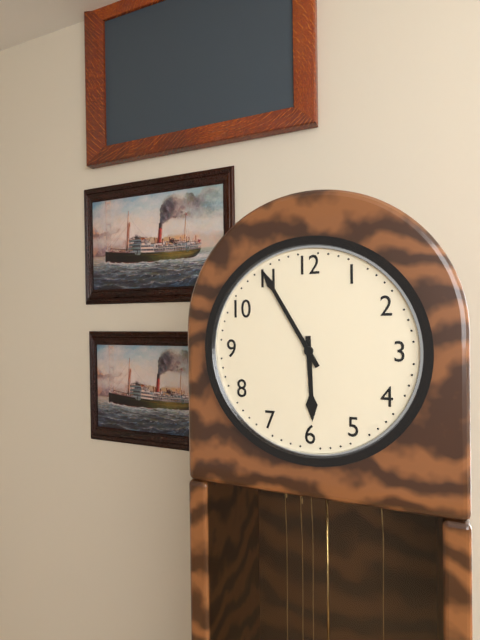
5:55
